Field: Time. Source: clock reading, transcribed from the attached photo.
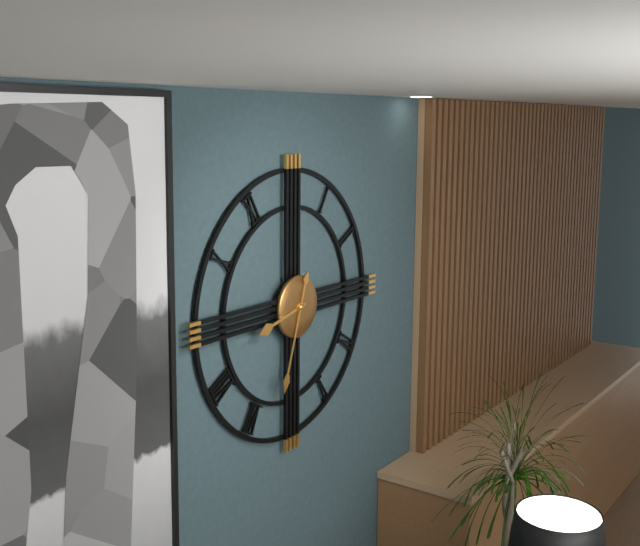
8:33
